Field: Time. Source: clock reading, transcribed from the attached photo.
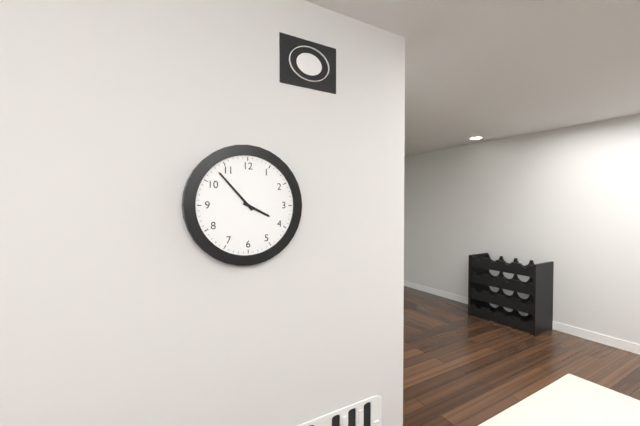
3:53
